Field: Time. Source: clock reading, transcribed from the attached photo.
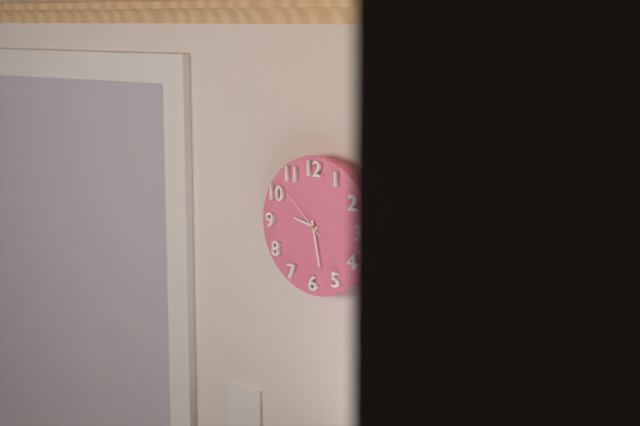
9:28:52
